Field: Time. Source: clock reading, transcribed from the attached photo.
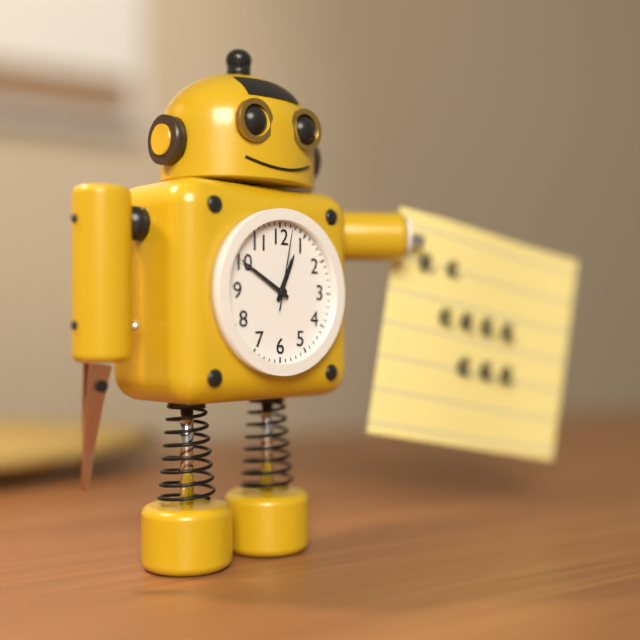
12:50:02
